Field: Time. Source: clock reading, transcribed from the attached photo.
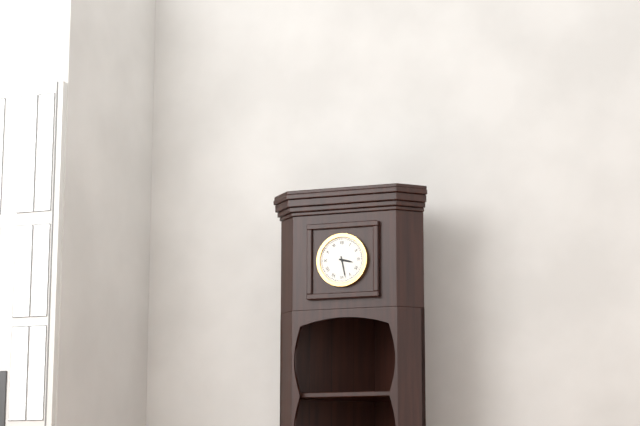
3:28
